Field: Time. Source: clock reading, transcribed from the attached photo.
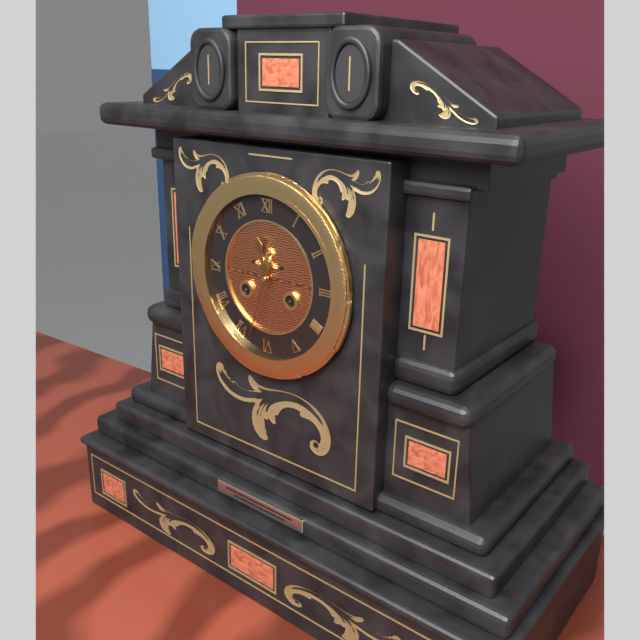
11:33
